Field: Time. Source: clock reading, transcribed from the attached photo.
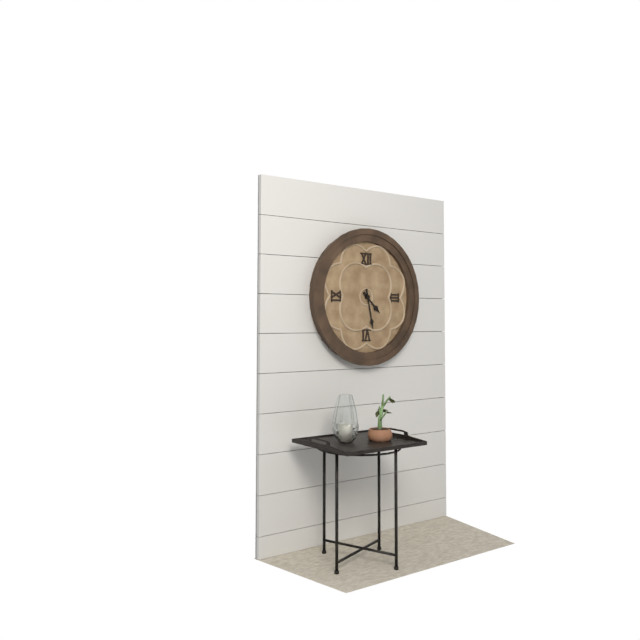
4:28
